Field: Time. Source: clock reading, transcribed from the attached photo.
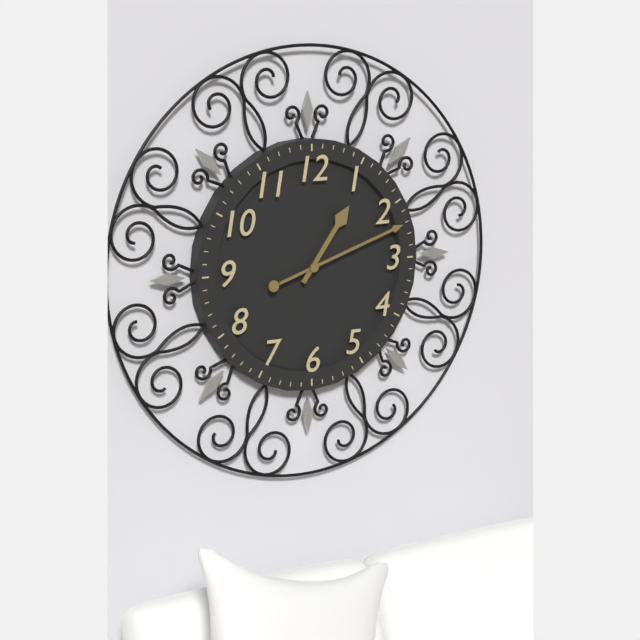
1:12
